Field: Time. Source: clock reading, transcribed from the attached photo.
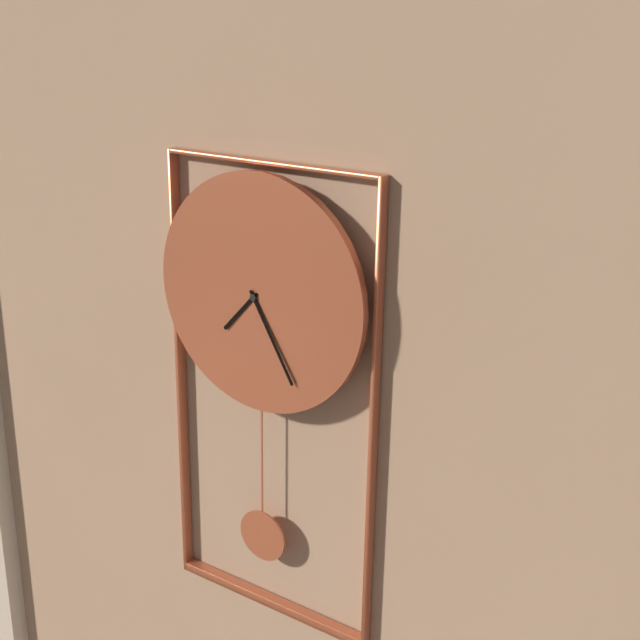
7:25
